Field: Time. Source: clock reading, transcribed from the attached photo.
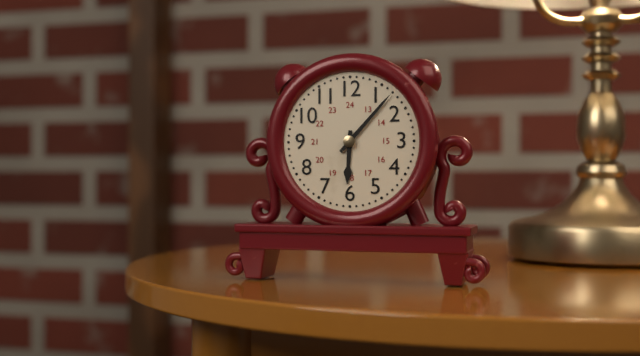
6:07
